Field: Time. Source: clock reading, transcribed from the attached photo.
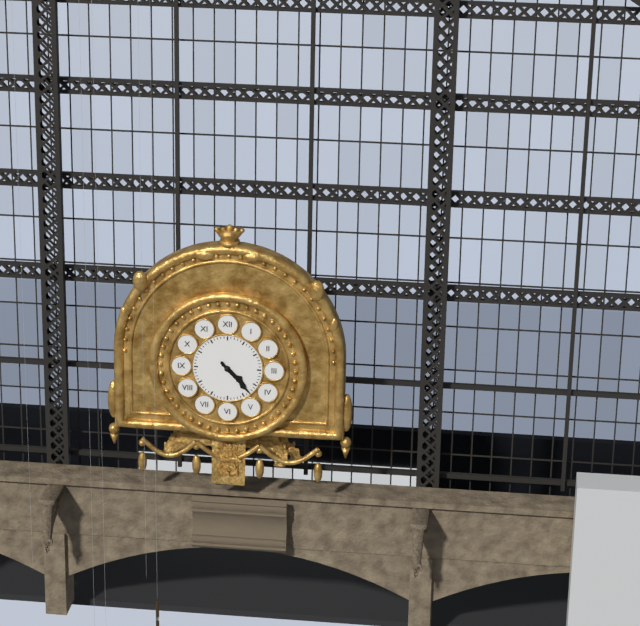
4:23
